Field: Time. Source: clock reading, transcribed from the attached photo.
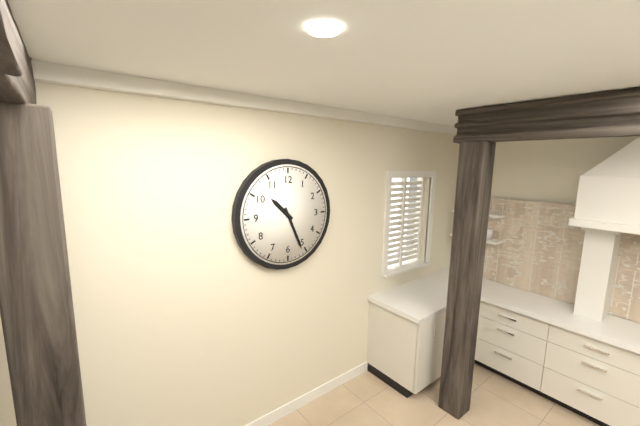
10:26
